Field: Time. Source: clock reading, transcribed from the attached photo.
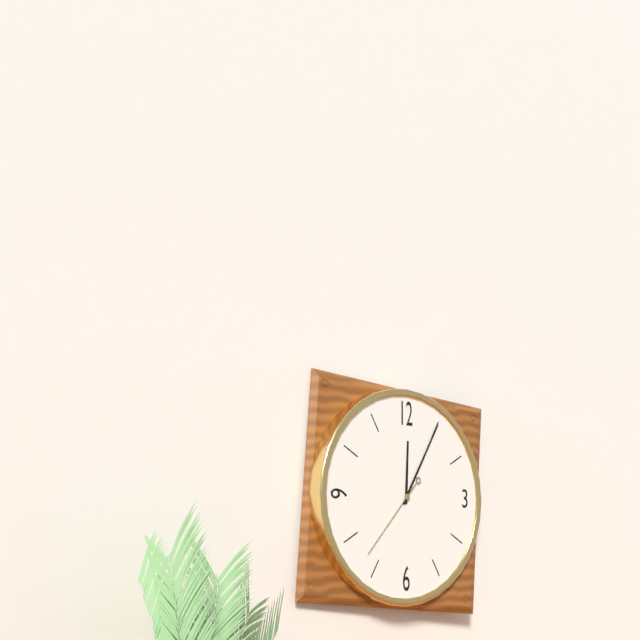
12:05:37
